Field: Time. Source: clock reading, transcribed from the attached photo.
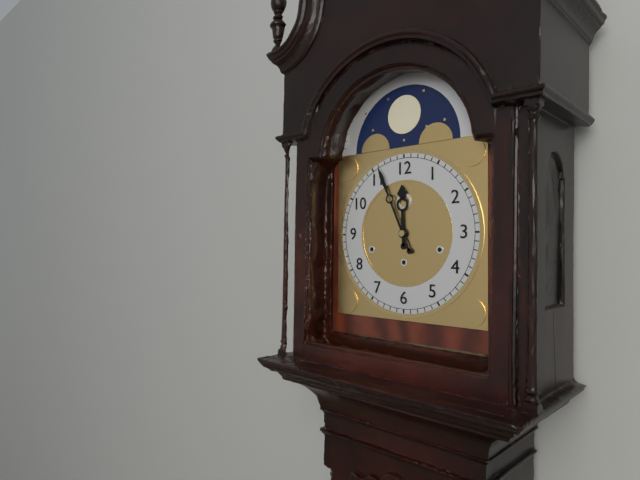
11:56
